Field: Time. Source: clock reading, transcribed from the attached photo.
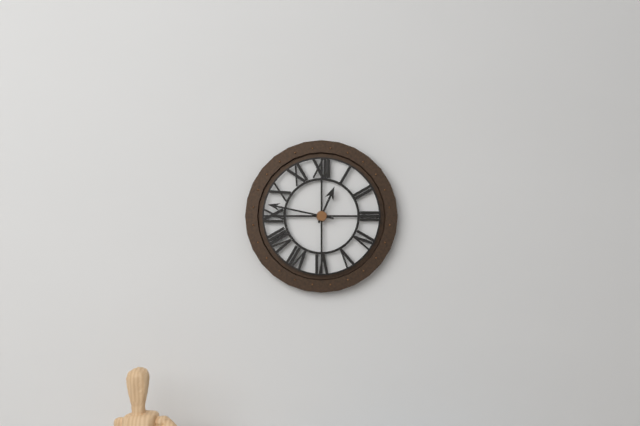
12:47
